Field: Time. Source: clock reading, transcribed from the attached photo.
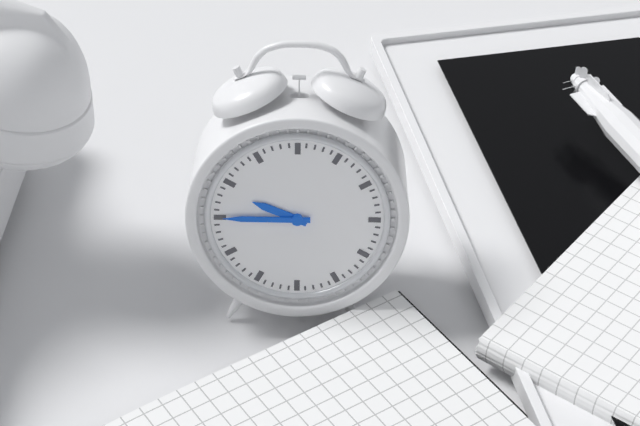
9:45
